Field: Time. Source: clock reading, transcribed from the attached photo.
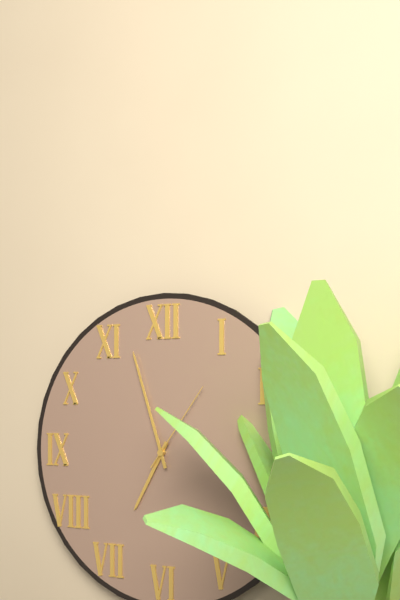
6:57:06
